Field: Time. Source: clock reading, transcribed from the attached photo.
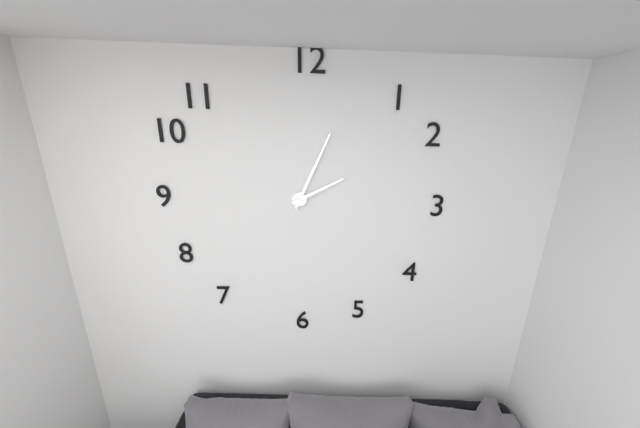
2:04
